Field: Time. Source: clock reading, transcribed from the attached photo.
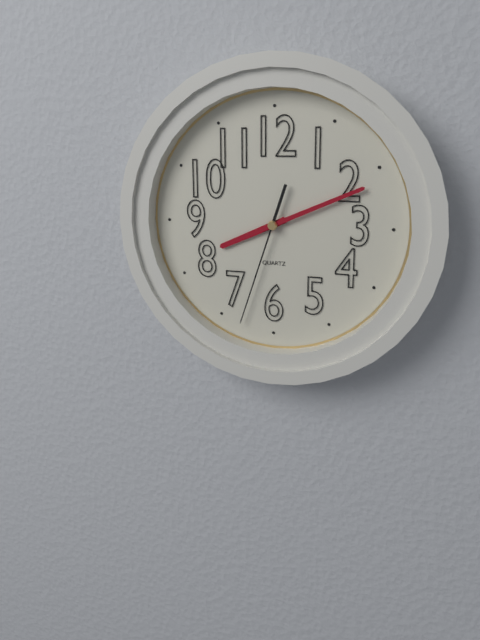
8:11:33
